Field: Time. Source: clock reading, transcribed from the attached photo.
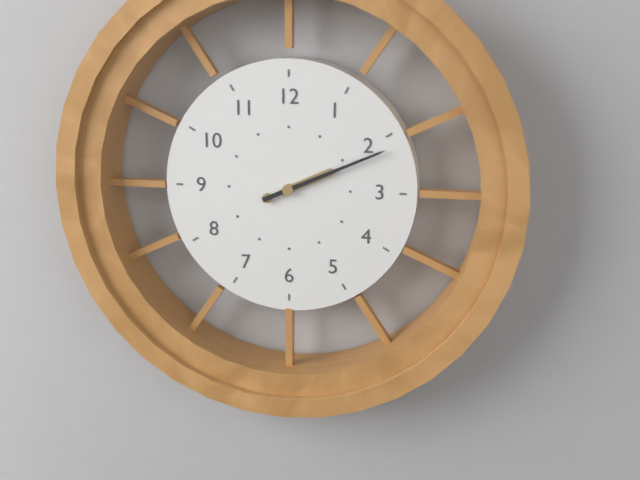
2:11
